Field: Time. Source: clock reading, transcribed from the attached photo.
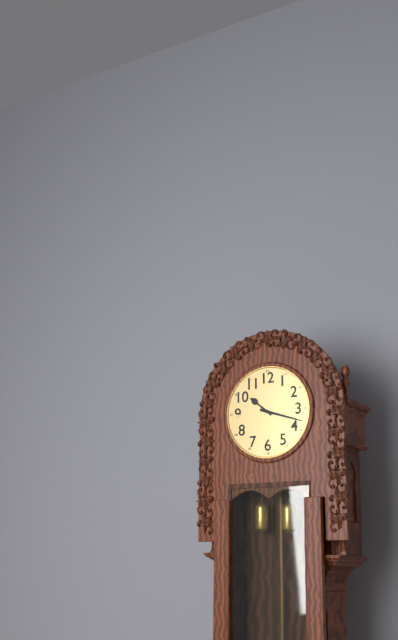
10:18
